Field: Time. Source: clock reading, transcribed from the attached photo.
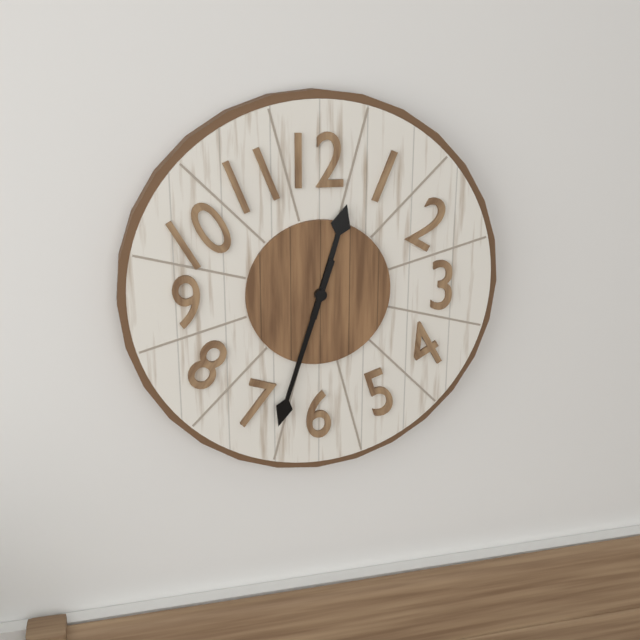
12:33
